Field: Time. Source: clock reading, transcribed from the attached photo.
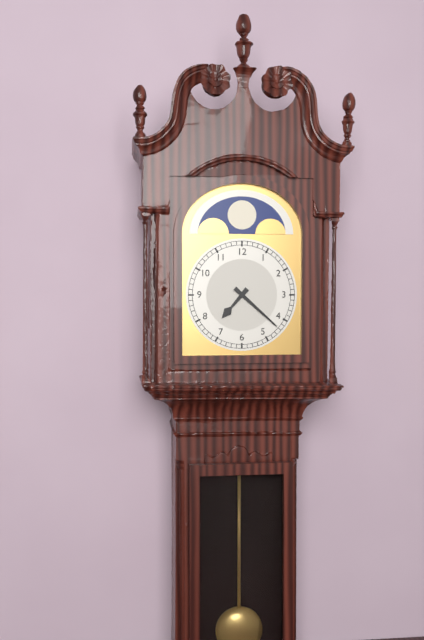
7:22
